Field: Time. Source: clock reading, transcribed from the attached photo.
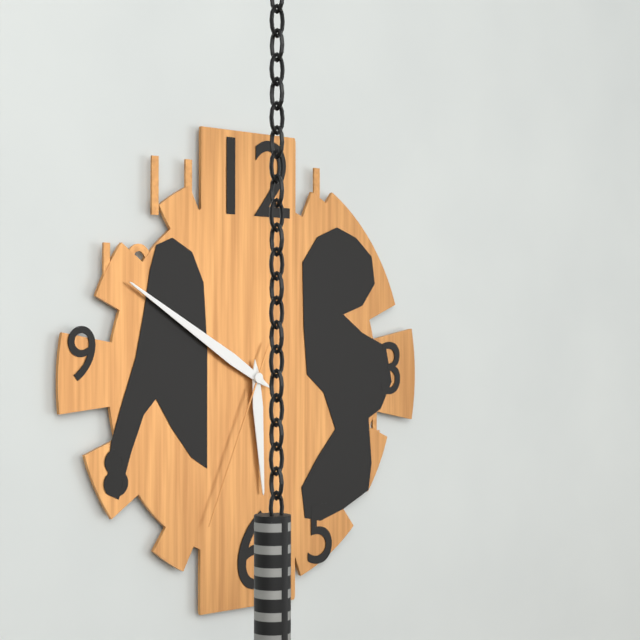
5:50:34
